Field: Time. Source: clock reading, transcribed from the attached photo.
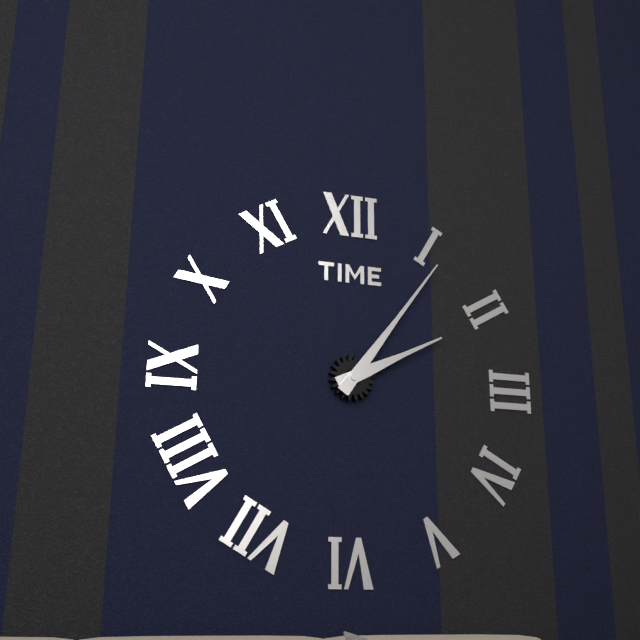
2:06
